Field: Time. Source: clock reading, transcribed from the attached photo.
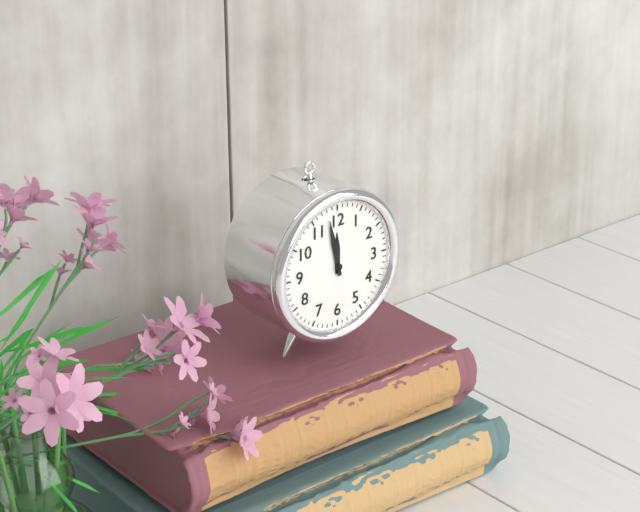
11:58
